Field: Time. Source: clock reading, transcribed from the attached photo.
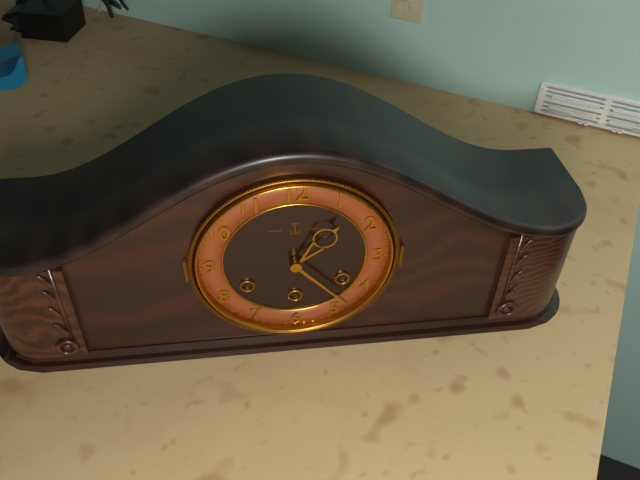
1:23
